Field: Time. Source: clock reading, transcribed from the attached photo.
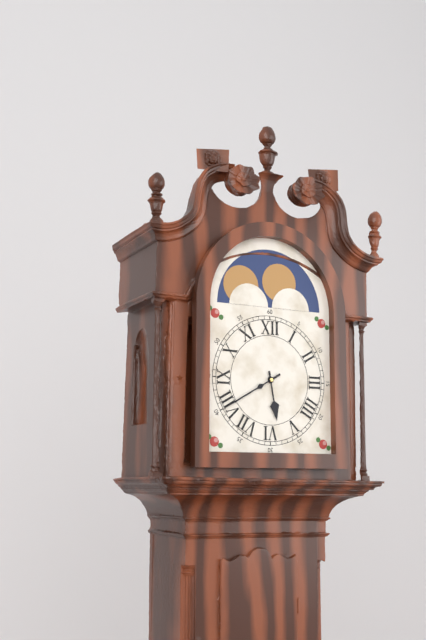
5:40
